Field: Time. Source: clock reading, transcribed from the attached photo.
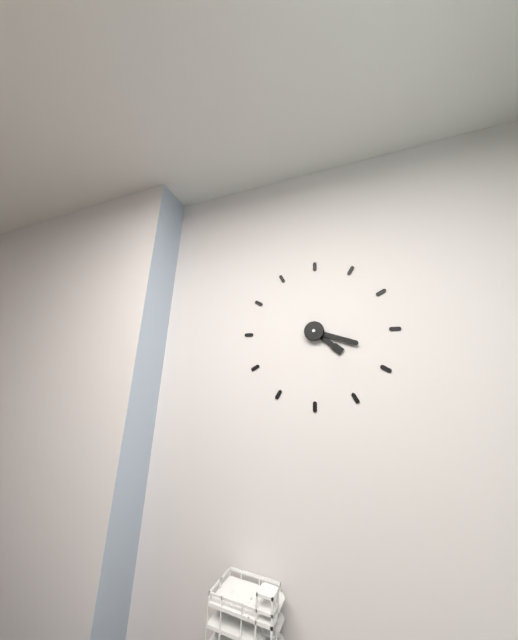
4:18
